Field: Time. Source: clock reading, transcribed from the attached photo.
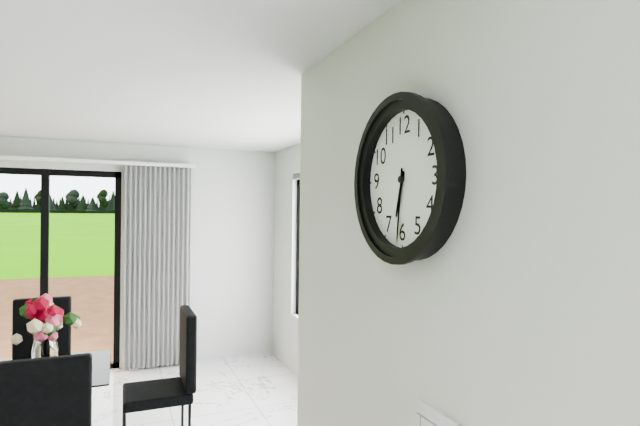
6:31
